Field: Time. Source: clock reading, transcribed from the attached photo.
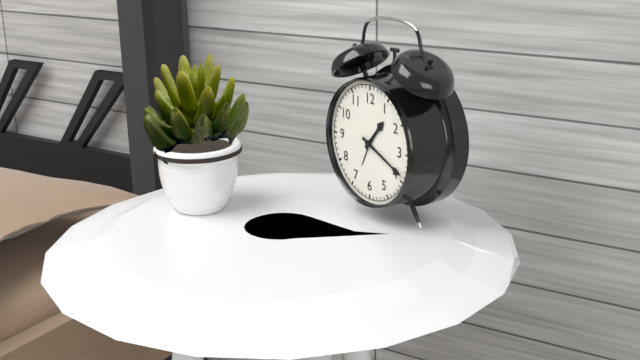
1:19
